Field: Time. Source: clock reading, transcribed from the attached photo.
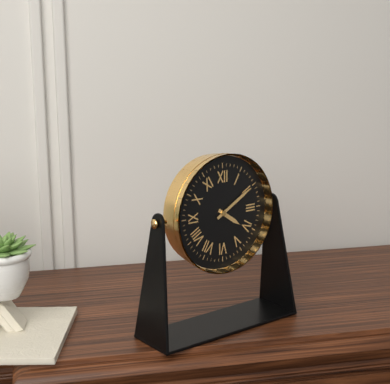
4:10
